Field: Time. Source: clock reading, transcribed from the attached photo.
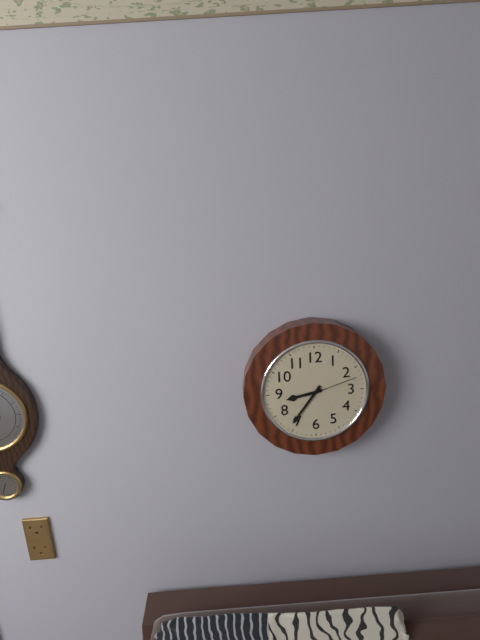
8:36:12
